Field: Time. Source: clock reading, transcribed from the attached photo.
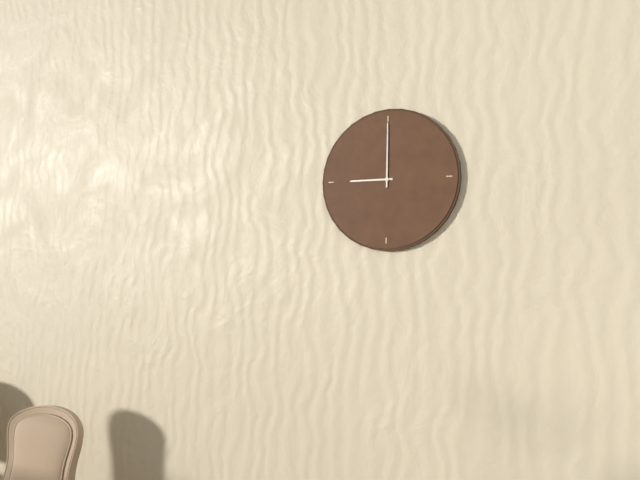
9:00
